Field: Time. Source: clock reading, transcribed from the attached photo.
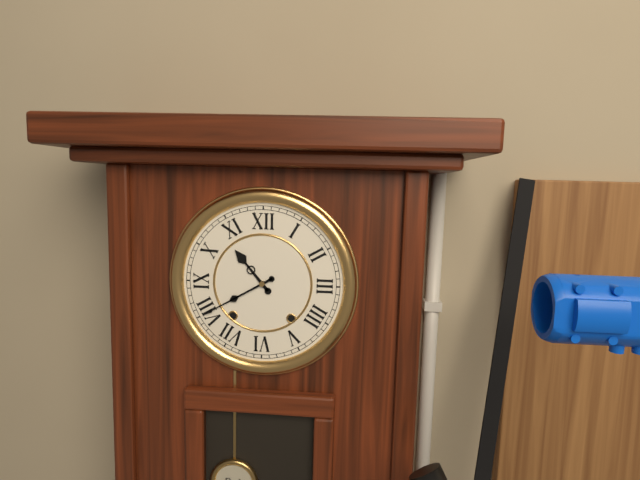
10:40
